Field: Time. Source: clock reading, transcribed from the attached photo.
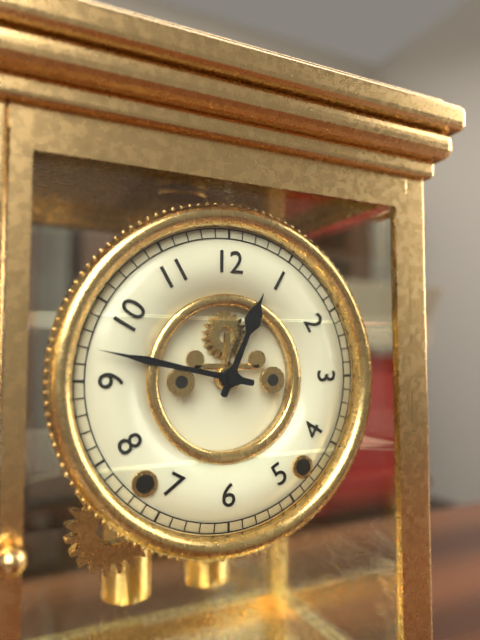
12:47
